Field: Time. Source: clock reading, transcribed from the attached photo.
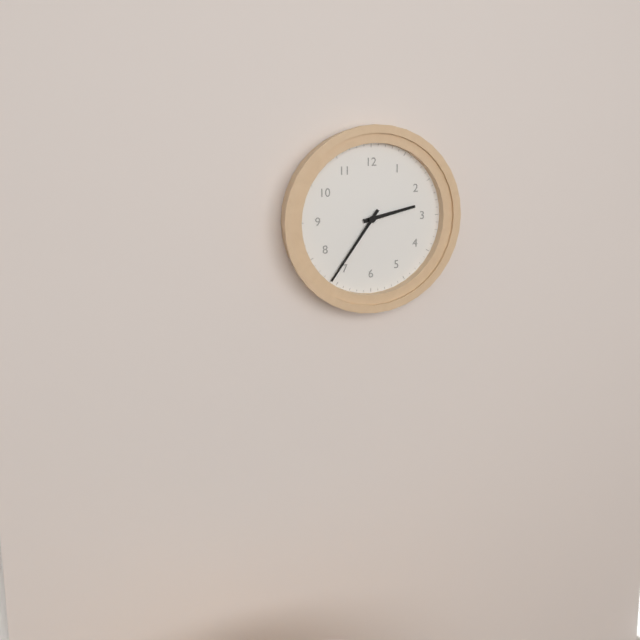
2:36
